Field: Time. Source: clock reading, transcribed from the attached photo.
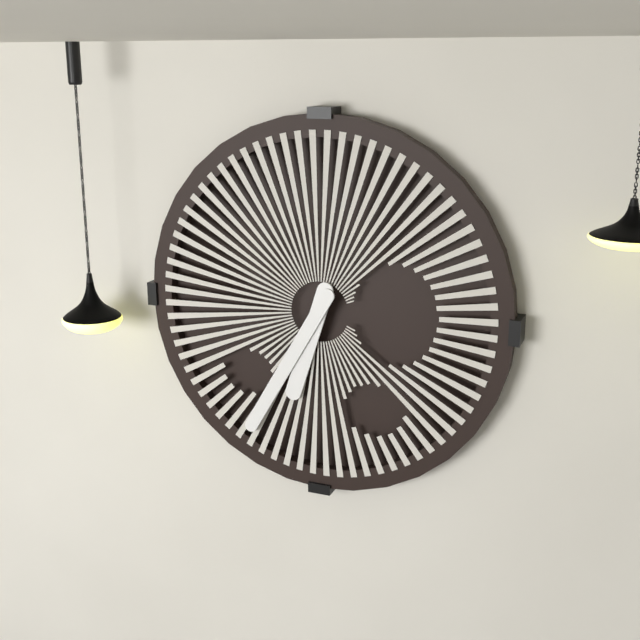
6:35
